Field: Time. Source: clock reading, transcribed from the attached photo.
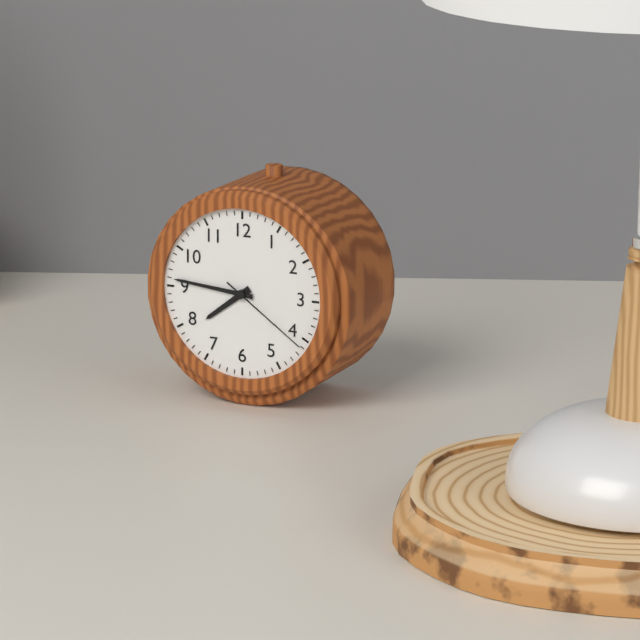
7:46:21
